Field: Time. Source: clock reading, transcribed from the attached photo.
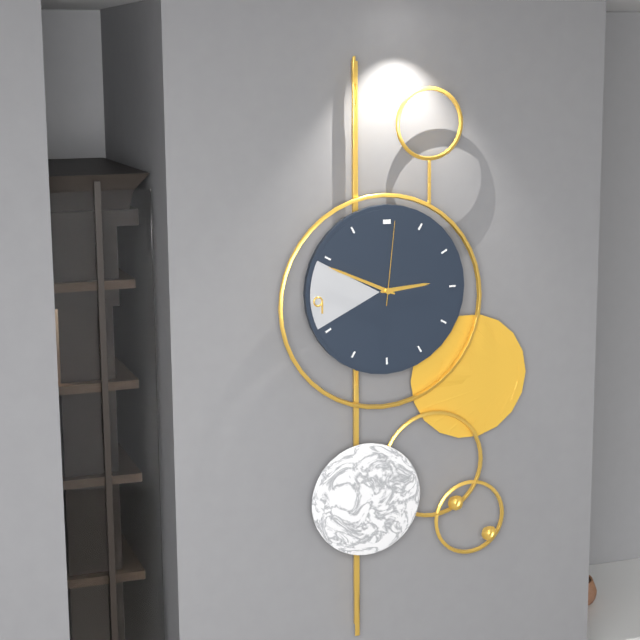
2:49:01
